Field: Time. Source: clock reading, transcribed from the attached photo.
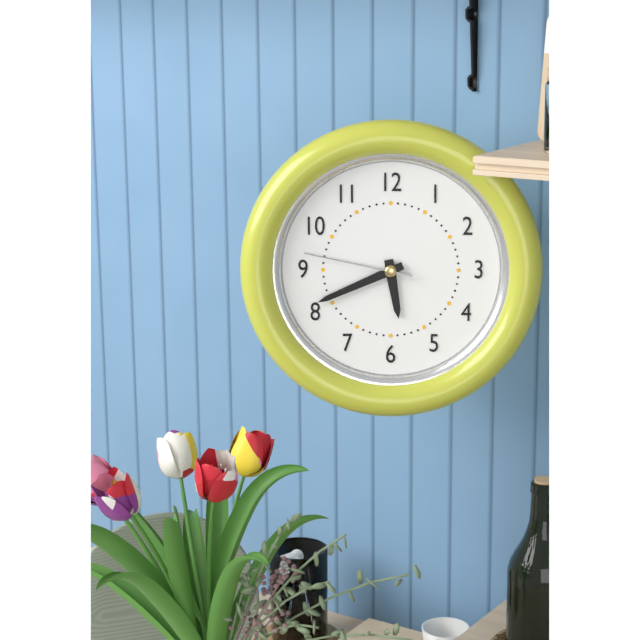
5:41:47
